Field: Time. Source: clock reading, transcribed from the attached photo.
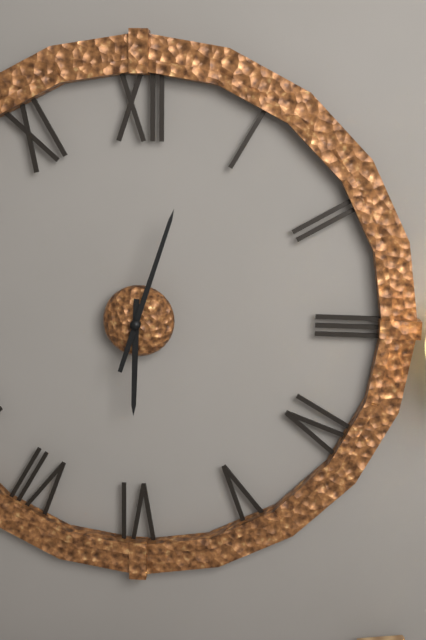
6:03
